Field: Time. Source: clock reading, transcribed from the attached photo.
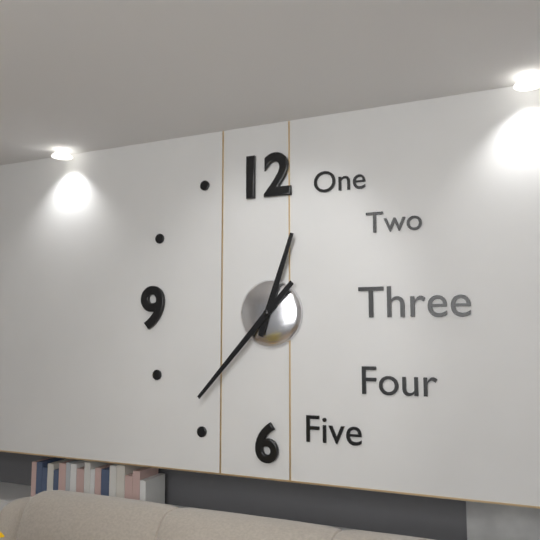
12:37
